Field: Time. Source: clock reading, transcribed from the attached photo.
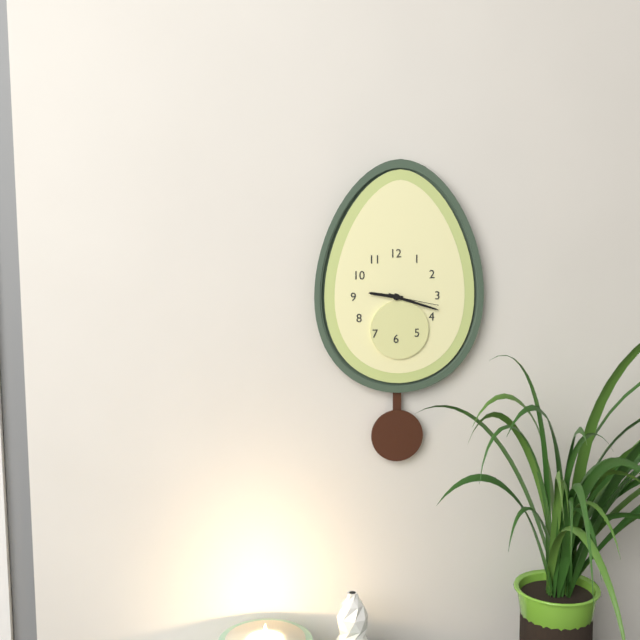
9:18:17
